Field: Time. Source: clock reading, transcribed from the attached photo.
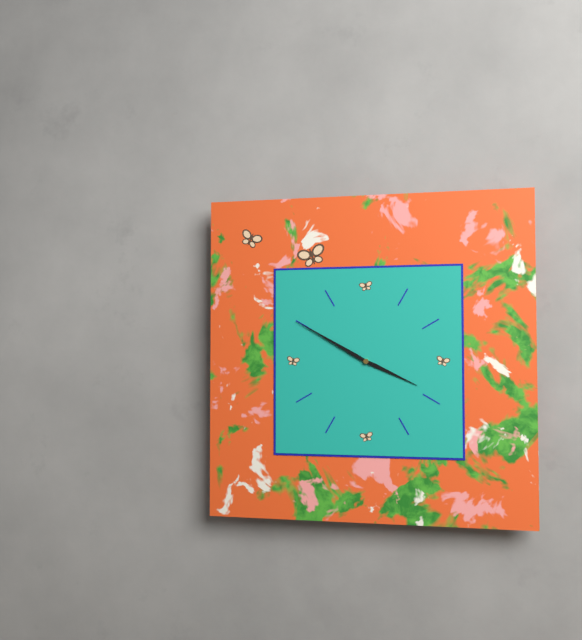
3:50
